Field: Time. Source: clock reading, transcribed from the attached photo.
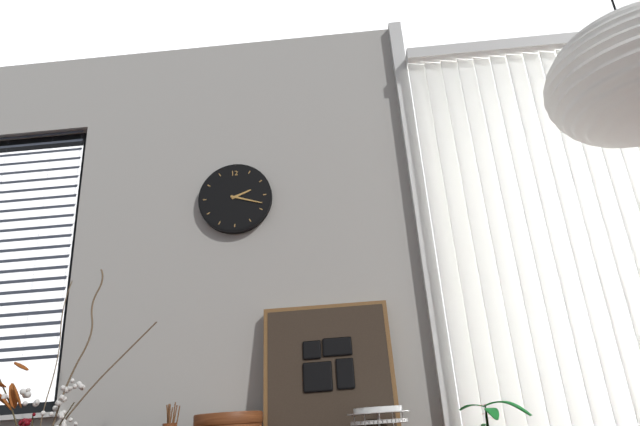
2:18
